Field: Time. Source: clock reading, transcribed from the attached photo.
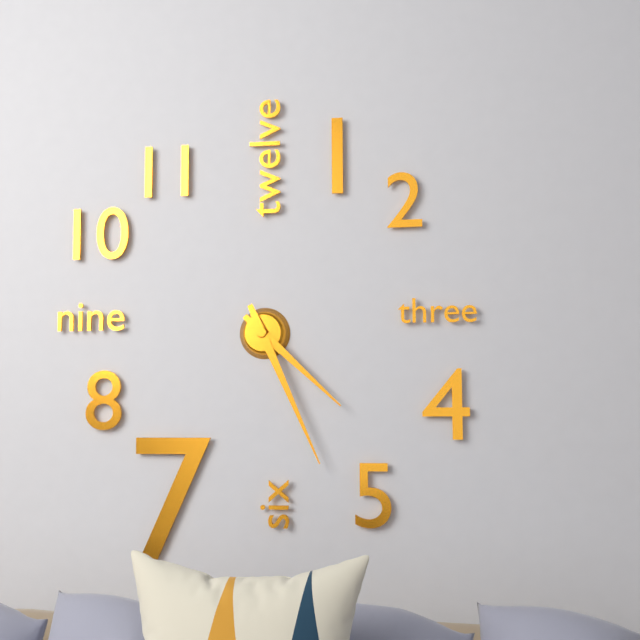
4:26
